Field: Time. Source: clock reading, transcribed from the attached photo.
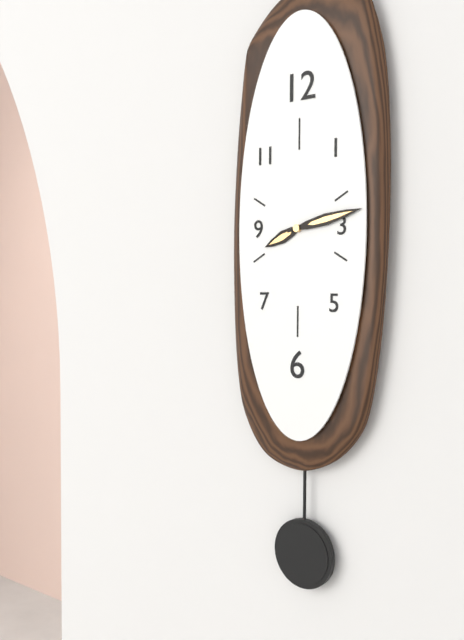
8:13
